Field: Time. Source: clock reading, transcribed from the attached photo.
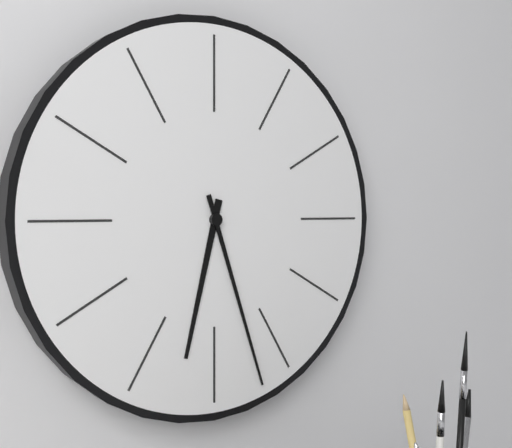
6:27
